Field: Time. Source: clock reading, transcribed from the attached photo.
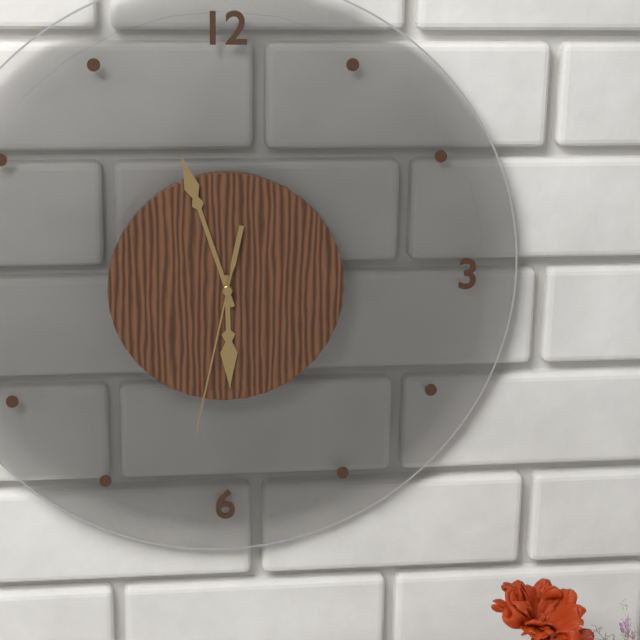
5:57:32
